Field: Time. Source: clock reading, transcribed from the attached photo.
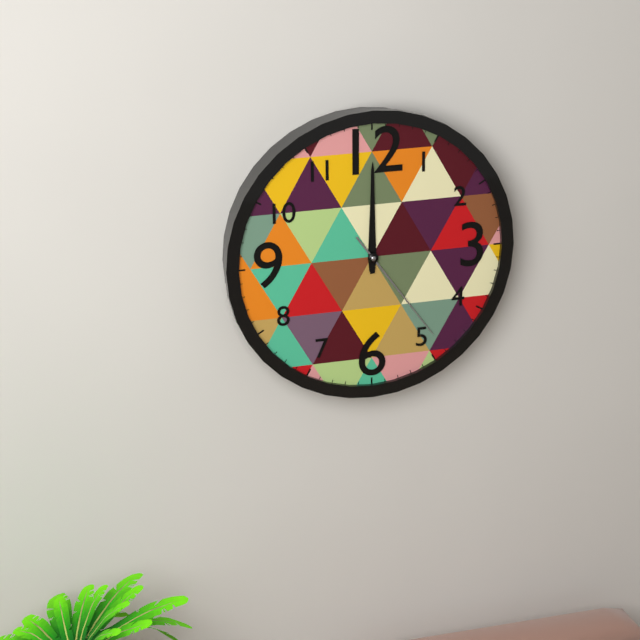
12:00:24
